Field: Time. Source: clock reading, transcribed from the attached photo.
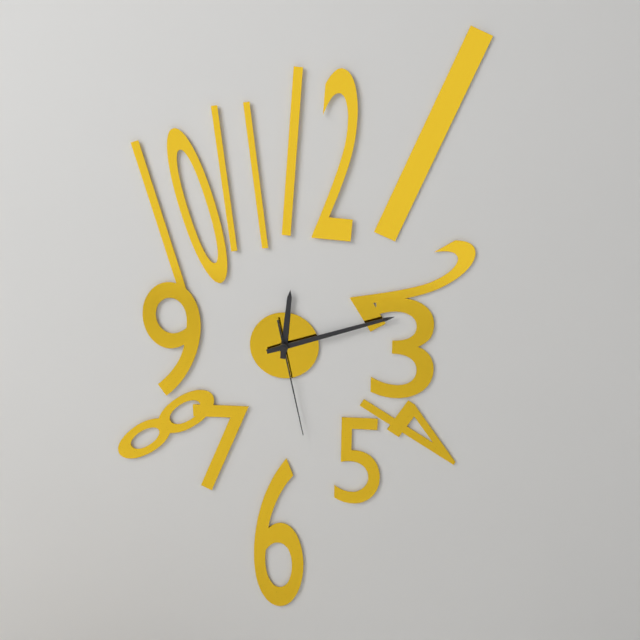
12:12:28
